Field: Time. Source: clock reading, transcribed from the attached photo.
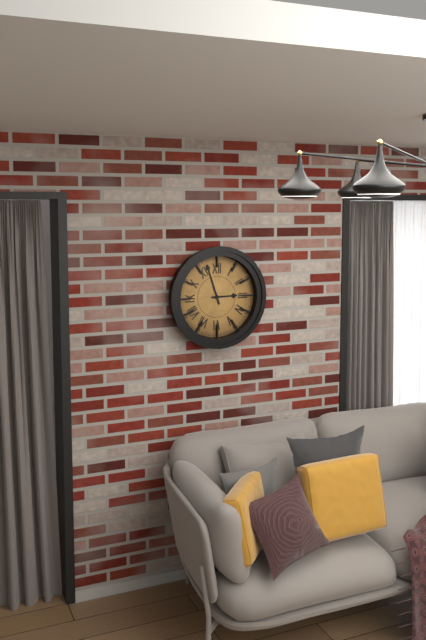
2:57
